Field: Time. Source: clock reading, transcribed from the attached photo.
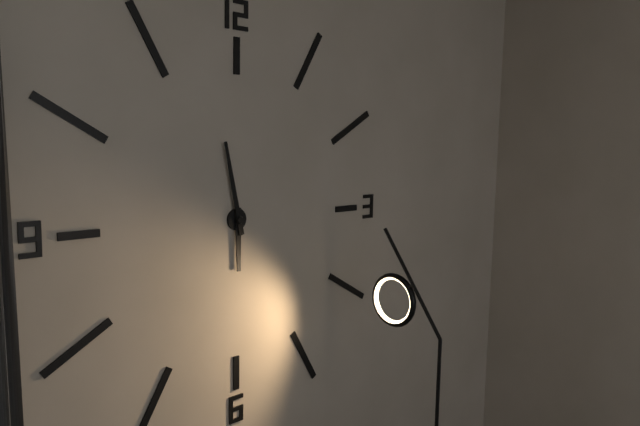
5:58
